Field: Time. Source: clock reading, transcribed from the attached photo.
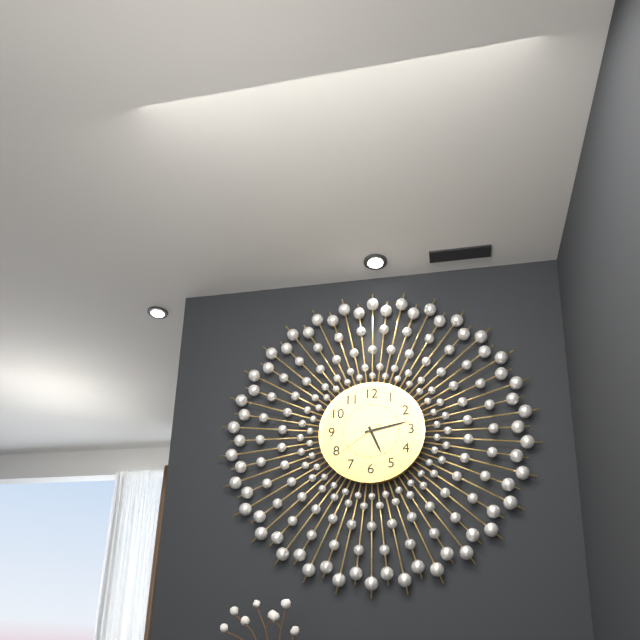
5:13:39
